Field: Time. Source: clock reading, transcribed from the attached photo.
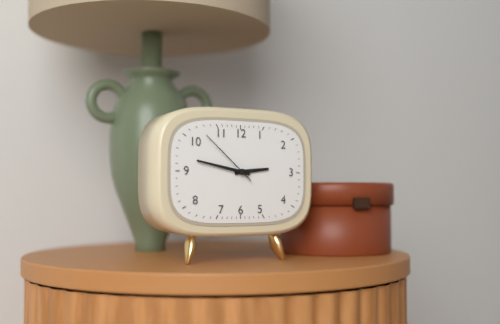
2:47:52
